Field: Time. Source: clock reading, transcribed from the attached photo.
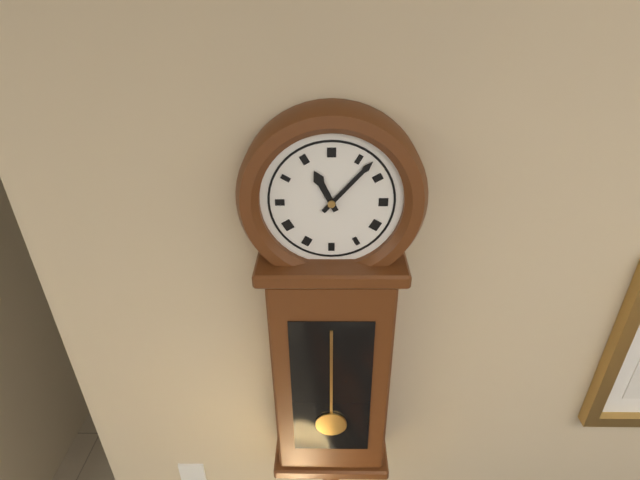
11:07
